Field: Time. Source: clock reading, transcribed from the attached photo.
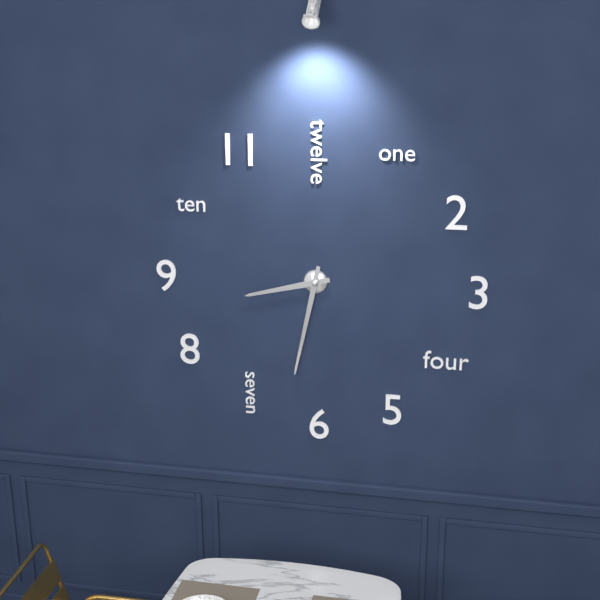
8:32
